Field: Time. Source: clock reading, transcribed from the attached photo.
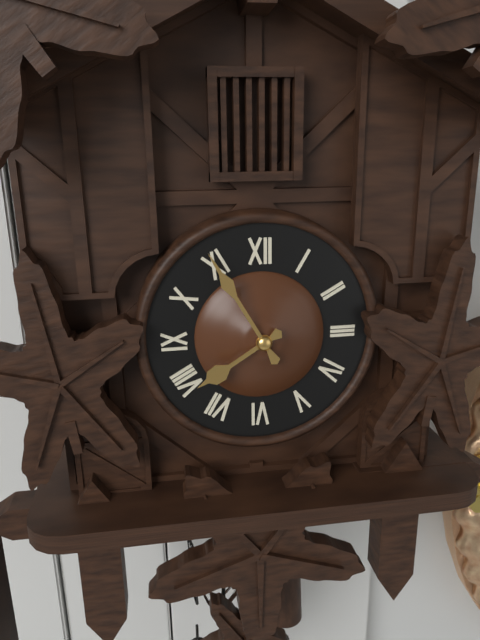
7:55
